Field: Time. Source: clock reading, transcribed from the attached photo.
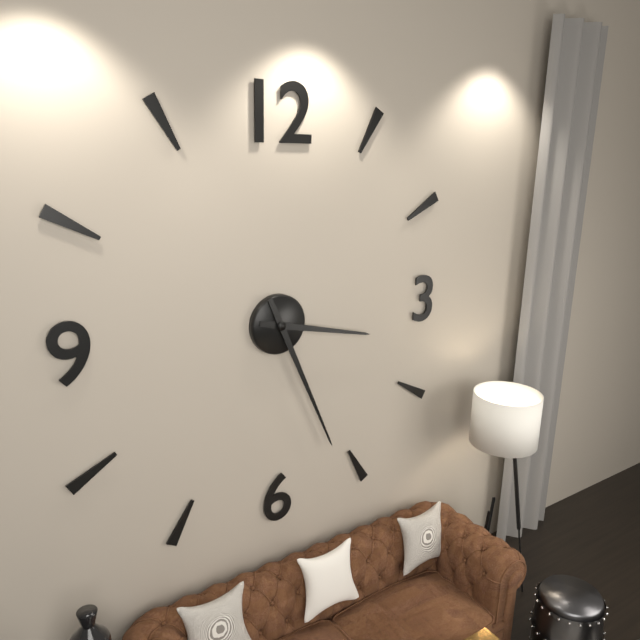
3:26
